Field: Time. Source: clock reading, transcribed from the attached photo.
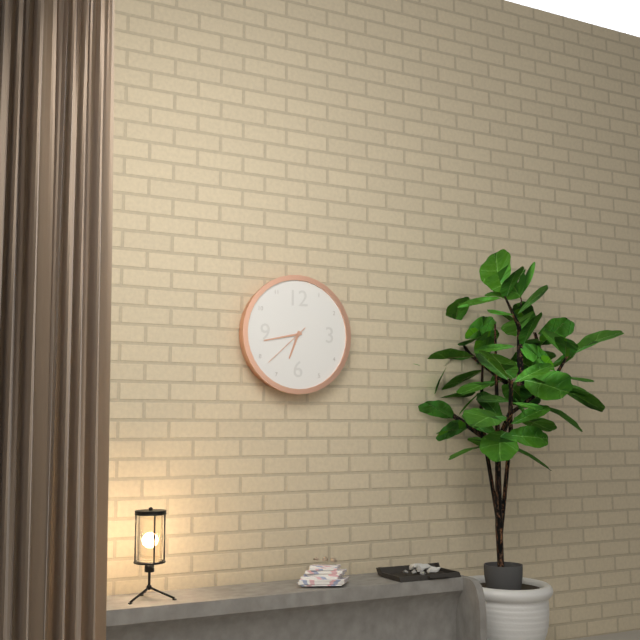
6:43:38
